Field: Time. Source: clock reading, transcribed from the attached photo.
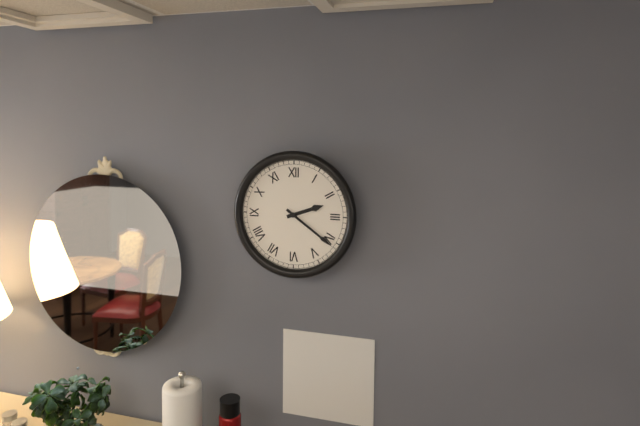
2:21
